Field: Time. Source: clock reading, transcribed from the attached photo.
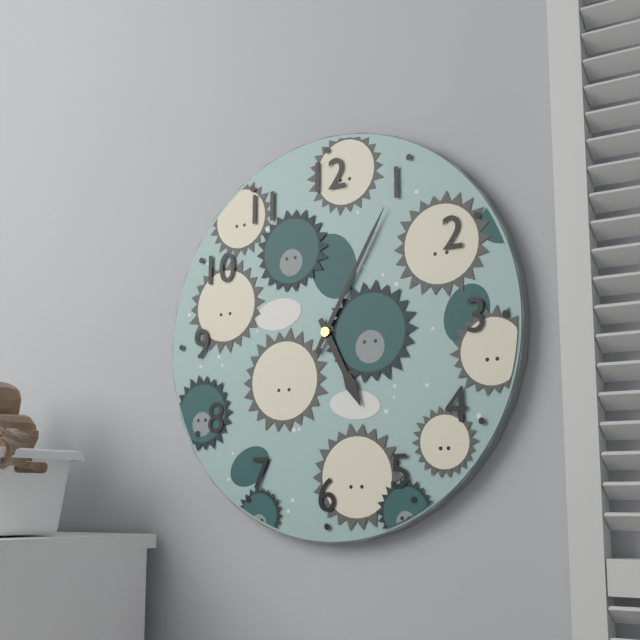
5:05
